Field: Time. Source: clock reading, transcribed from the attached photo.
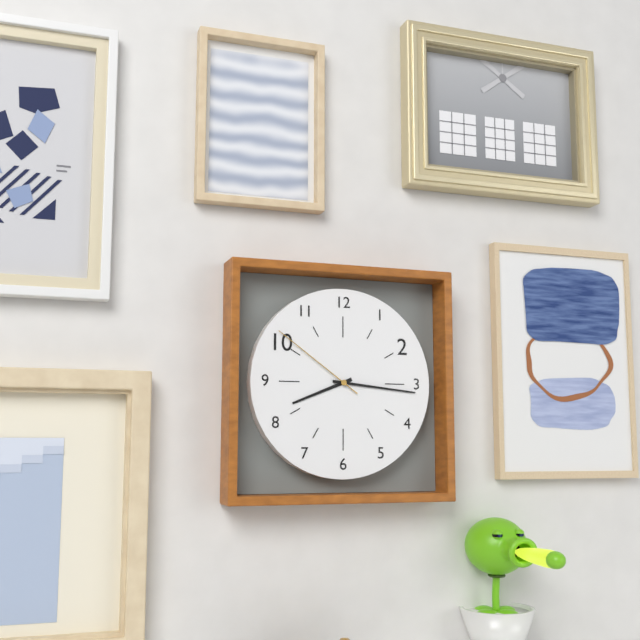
8:16:51
